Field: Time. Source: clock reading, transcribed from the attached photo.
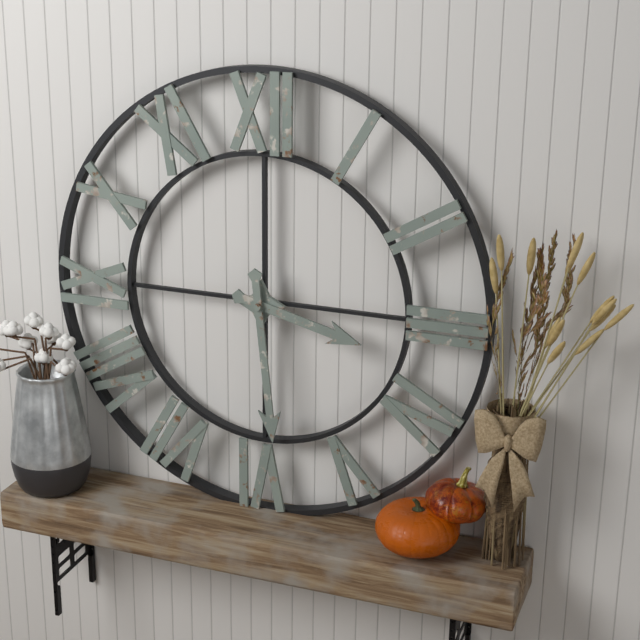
3:29
